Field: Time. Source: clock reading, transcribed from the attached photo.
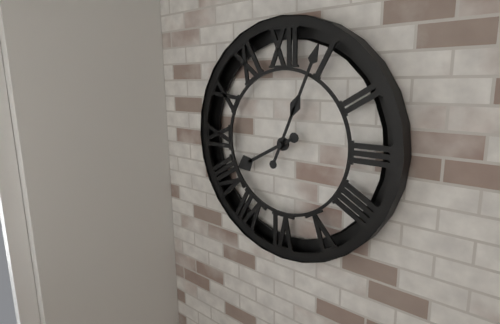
8:04
